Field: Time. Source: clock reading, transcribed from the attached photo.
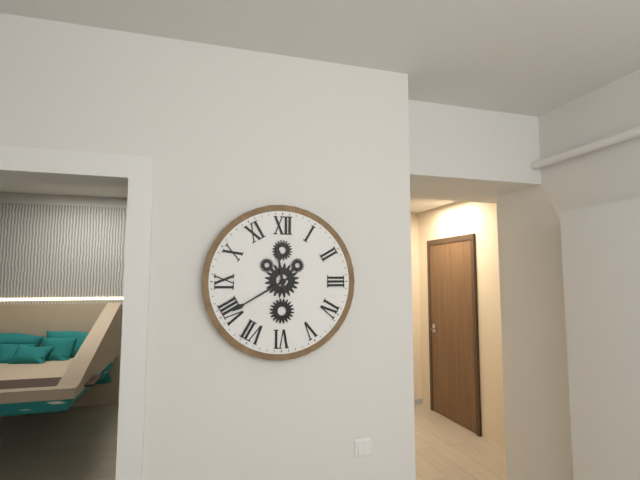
11:40
